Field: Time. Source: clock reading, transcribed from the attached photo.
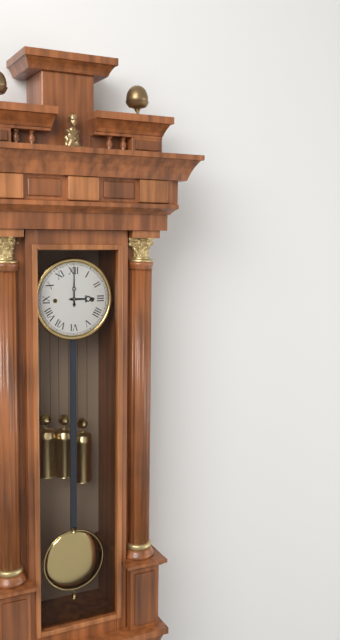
3:00
